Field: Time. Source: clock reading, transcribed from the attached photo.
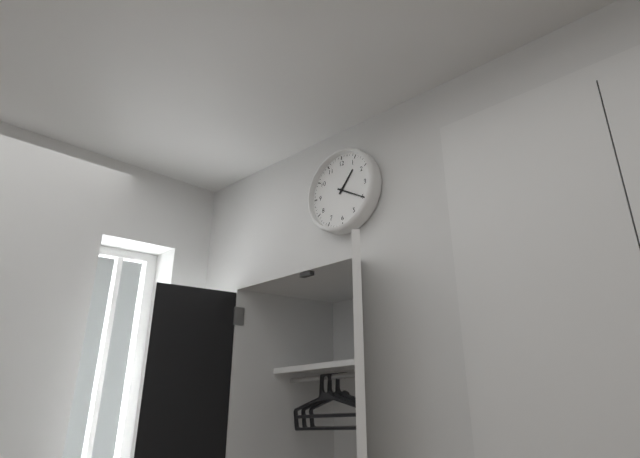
1:20
